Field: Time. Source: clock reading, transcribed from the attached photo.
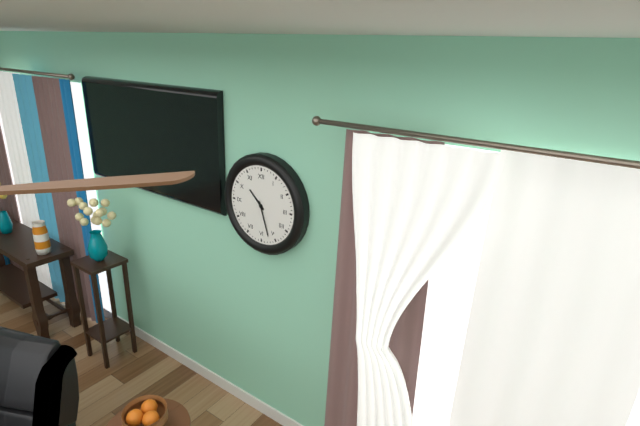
10:27
